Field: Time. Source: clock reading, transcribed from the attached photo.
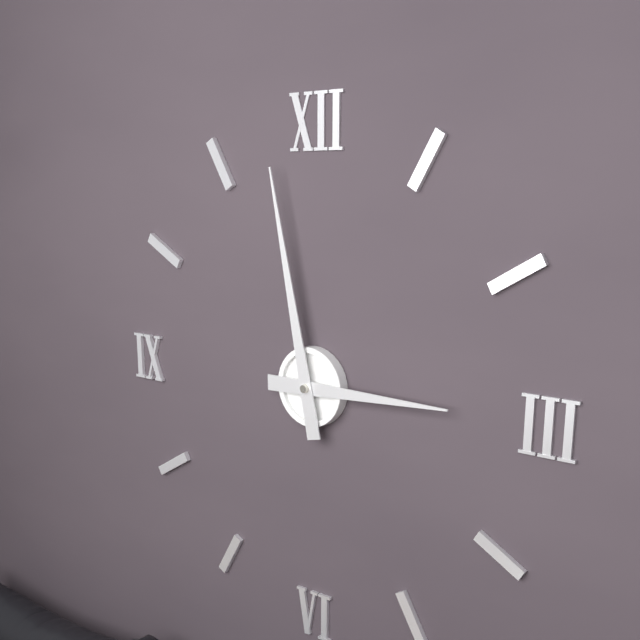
2:58
